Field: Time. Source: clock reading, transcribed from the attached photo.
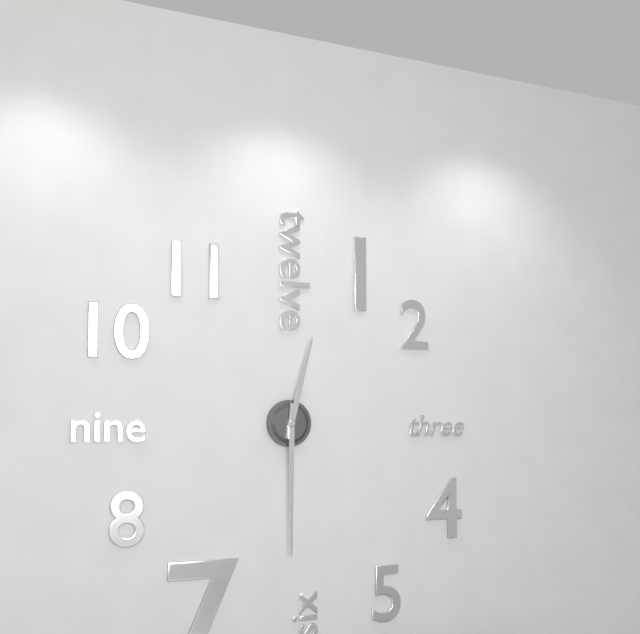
12:30
